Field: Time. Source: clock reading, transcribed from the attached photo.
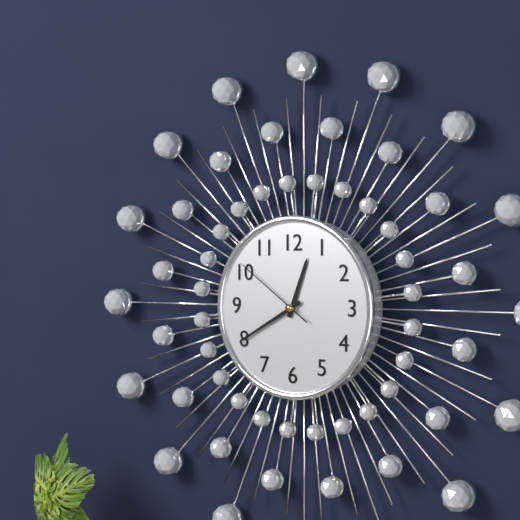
12:40:51
